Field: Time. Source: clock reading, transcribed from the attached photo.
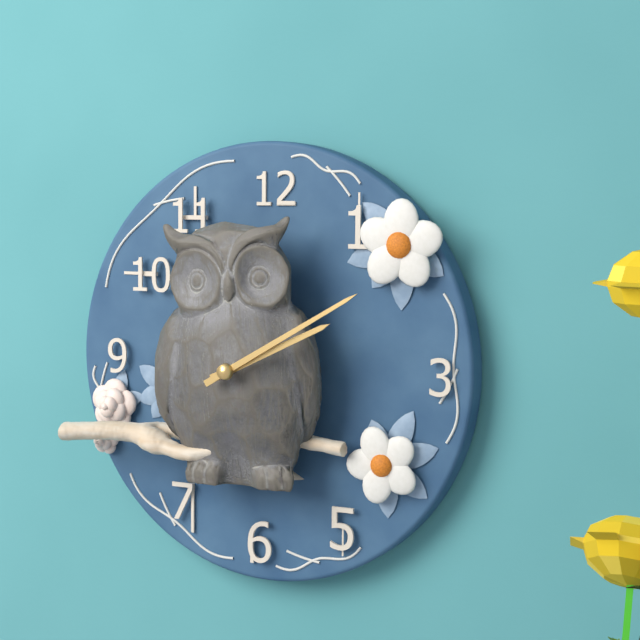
2:10
